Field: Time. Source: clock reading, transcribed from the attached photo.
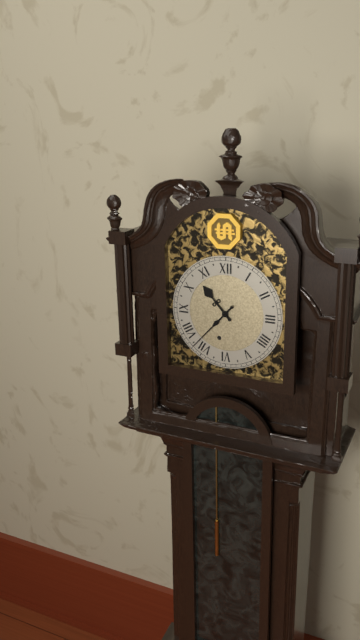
10:37
